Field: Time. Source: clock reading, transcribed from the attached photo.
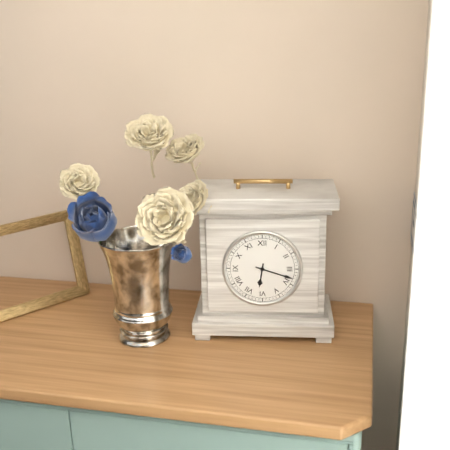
6:18
